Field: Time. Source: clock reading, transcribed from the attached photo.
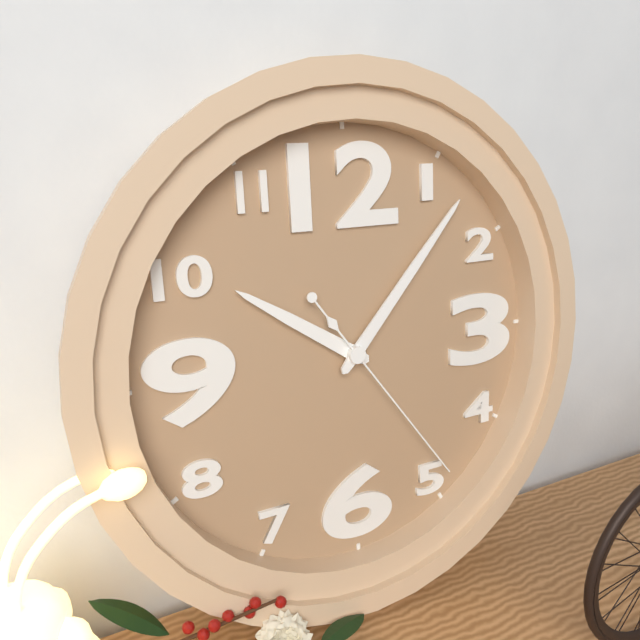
10:07:24
